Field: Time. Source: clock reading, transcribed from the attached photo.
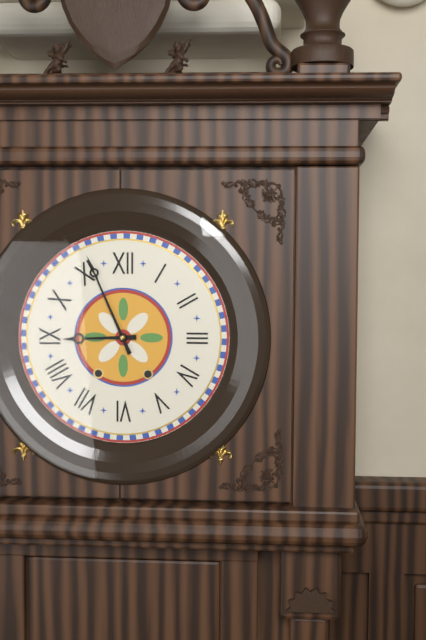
8:56
